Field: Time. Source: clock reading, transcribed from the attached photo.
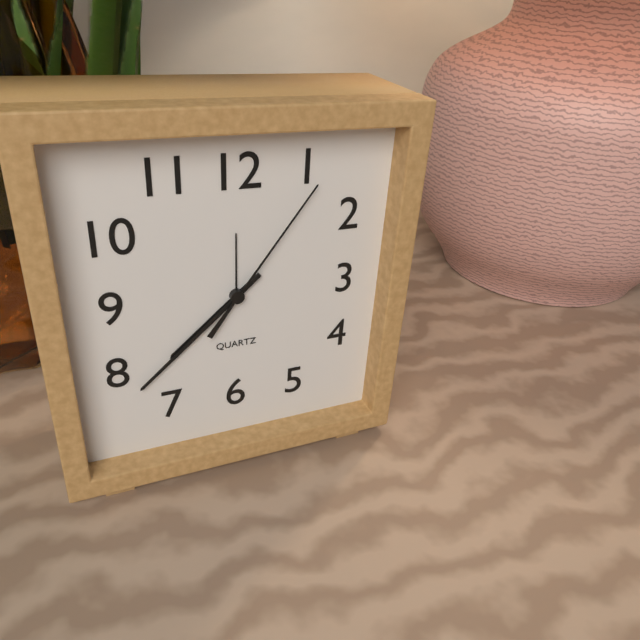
7:38:06
